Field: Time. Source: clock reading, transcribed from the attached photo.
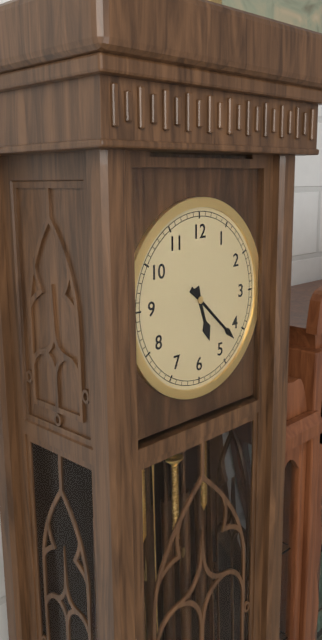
5:22
